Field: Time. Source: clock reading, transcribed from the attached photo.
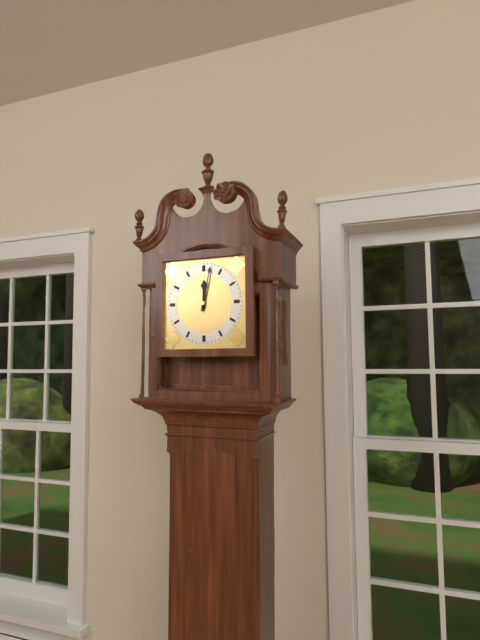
12:02
